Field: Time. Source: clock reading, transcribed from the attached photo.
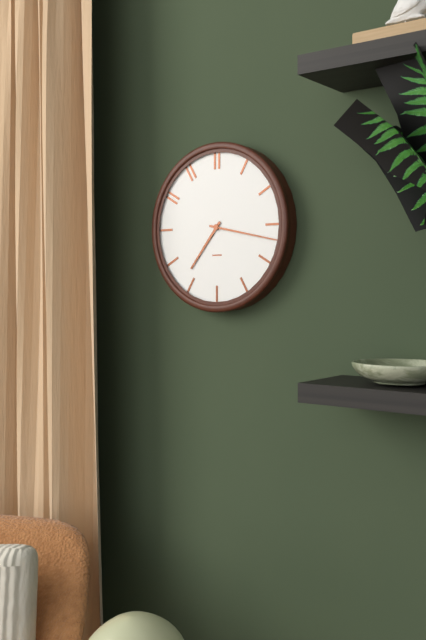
7:17
